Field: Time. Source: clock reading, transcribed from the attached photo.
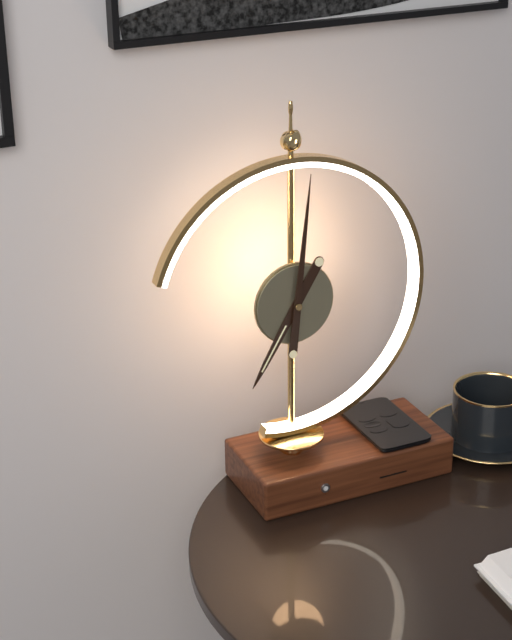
7:01
